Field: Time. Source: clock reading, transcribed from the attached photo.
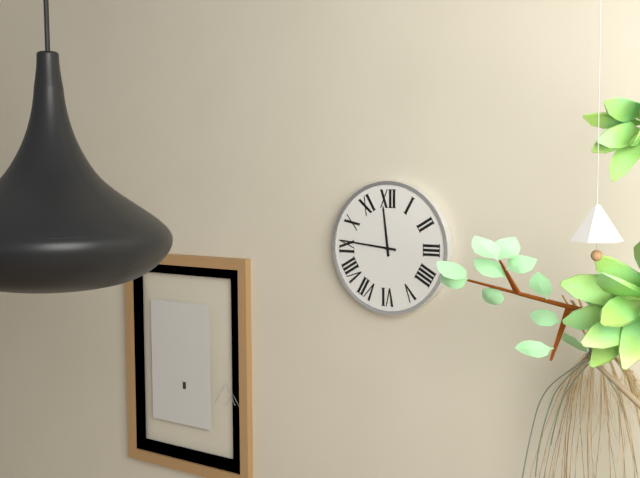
11:46
